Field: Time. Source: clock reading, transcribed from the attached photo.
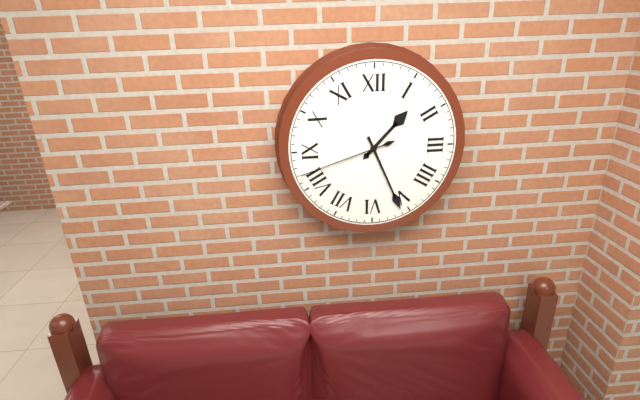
1:26:42
